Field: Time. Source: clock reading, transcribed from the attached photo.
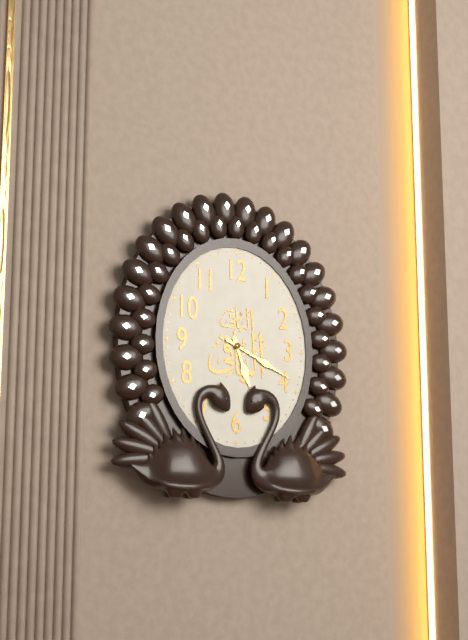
5:19
